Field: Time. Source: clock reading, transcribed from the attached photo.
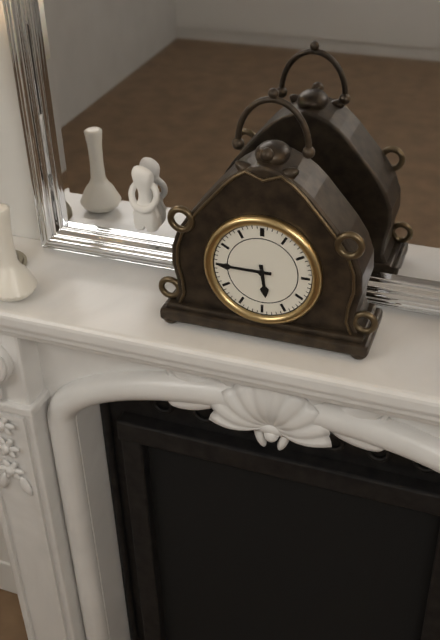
5:45
